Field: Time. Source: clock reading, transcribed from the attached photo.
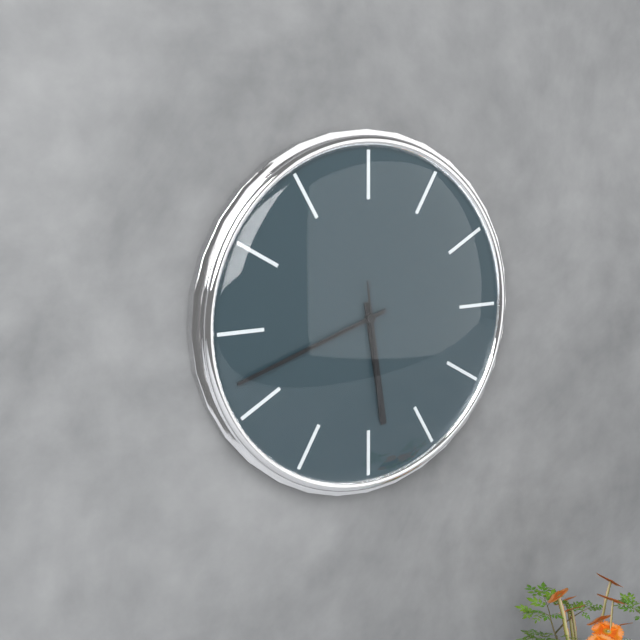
5:42:29
